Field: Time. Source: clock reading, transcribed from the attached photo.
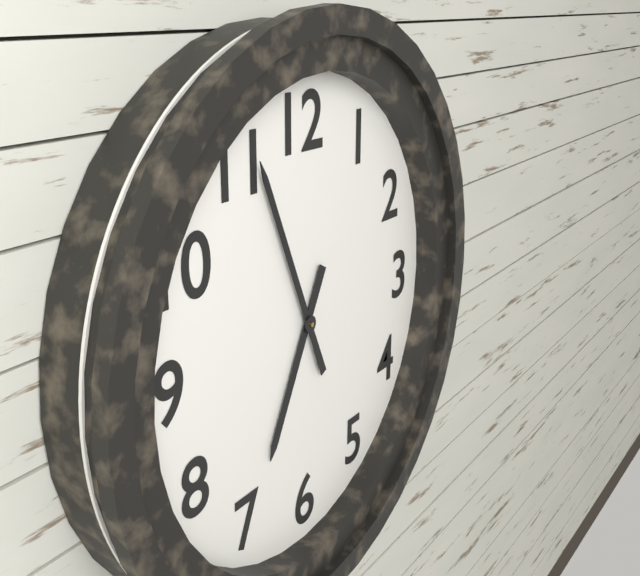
6:56
